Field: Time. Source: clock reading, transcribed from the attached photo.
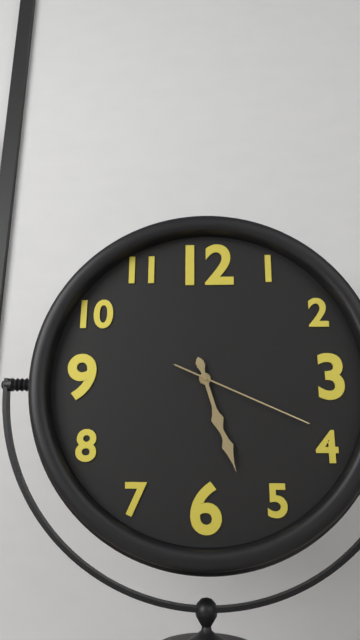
5:27:19
